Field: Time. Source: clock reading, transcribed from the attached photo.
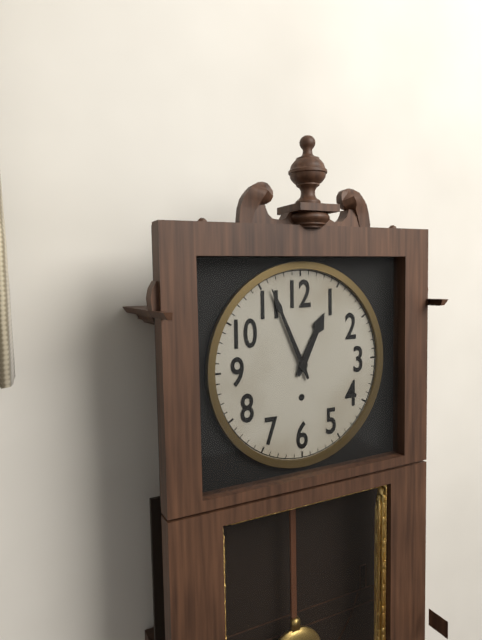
12:56
